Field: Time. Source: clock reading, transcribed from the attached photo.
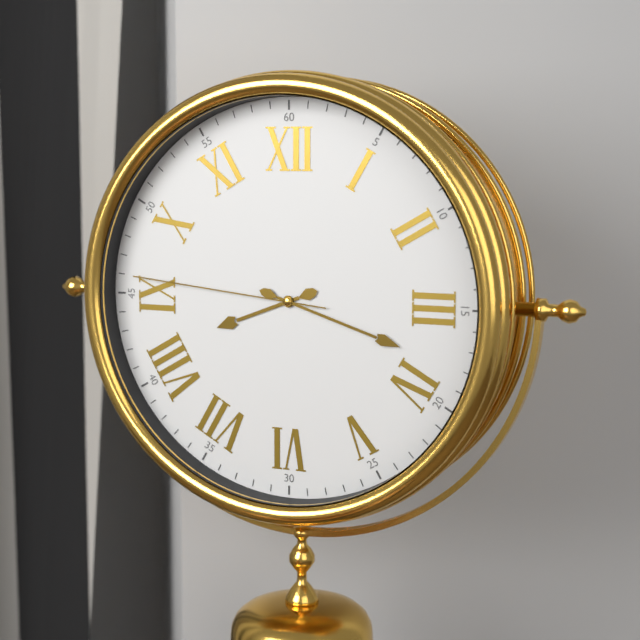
8:18:46
